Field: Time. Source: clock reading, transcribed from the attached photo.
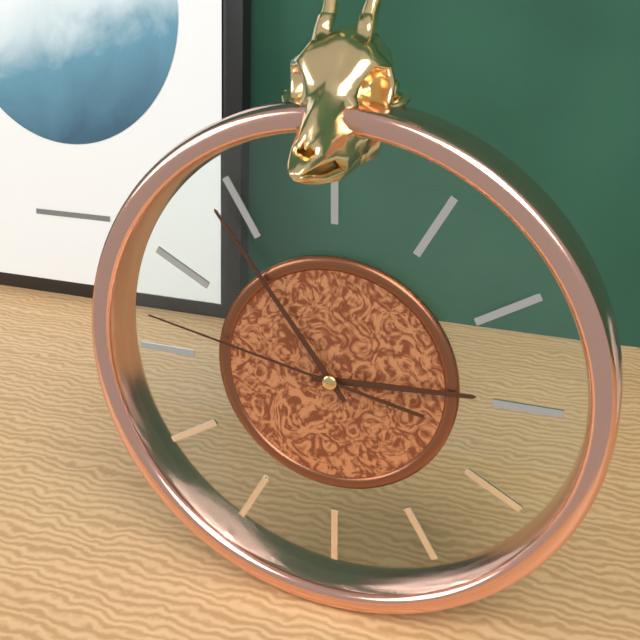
2:54:47
